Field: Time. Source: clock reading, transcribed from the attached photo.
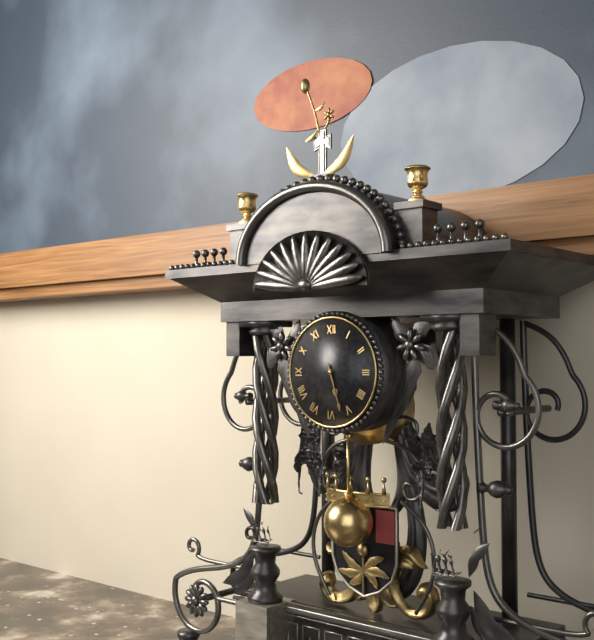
5:27
